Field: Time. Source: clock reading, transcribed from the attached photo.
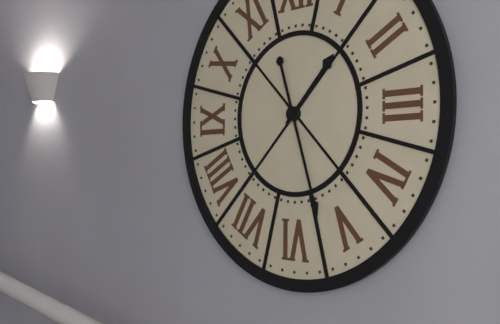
1:27
